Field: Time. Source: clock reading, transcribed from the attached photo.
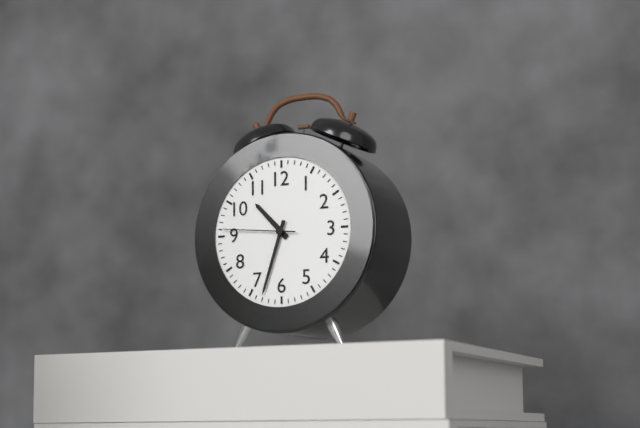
10:33:46
